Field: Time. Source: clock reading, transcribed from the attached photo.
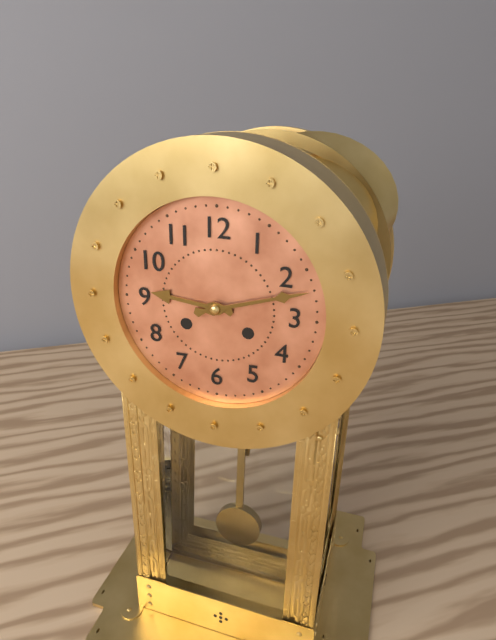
9:12
